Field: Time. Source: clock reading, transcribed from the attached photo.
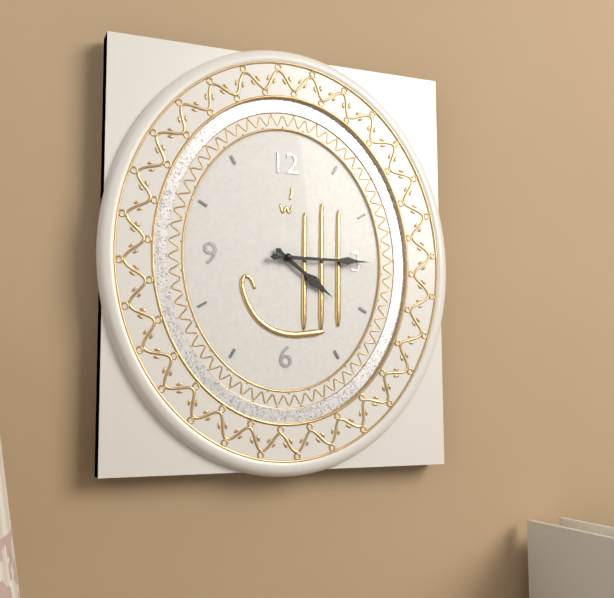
4:15
